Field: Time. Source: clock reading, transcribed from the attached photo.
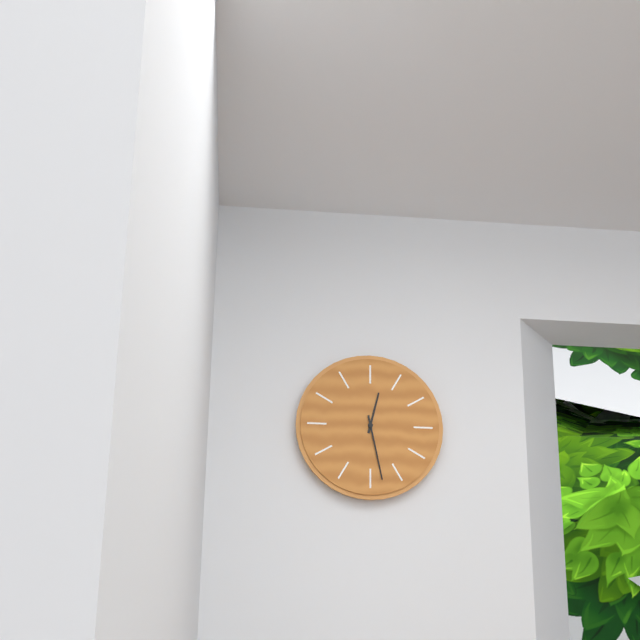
12:28
